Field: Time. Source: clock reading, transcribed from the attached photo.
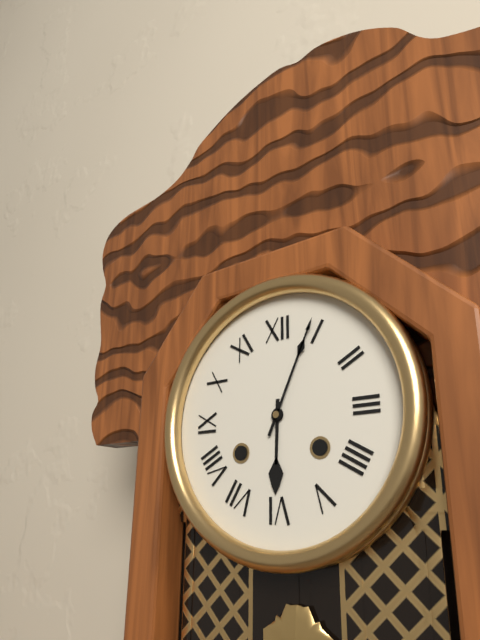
6:04
